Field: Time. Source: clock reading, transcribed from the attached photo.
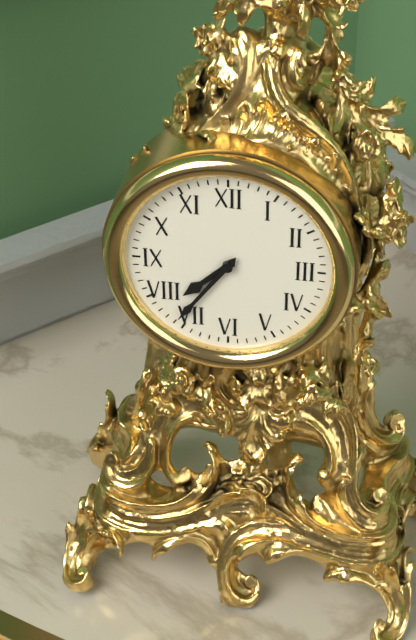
7:36
